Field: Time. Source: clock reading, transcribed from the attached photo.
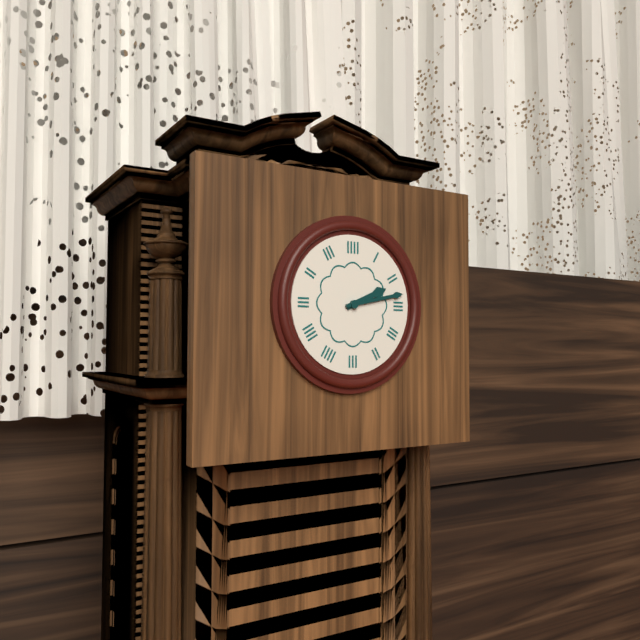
2:13
